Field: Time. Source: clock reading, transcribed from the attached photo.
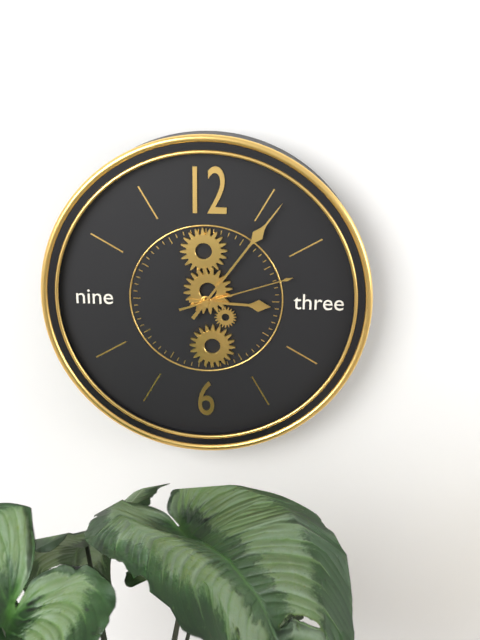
3:06:12
